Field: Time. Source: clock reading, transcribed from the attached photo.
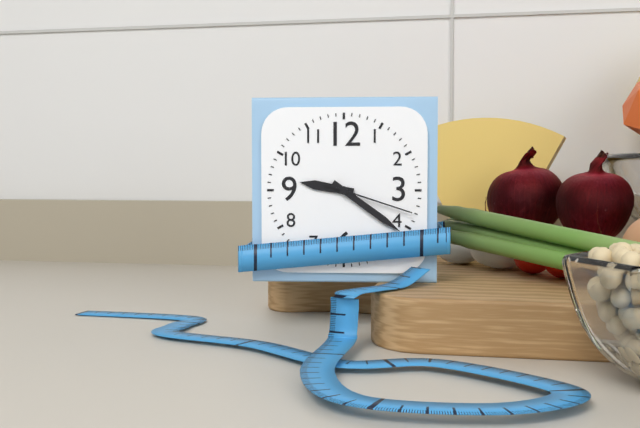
9:21:18
